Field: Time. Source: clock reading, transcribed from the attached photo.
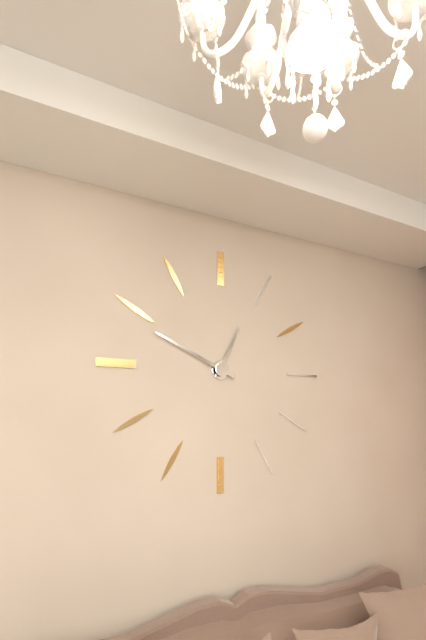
12:49
